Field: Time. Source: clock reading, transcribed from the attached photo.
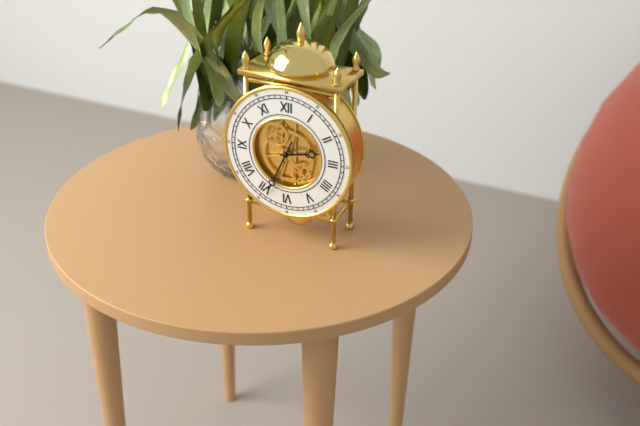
2:34
